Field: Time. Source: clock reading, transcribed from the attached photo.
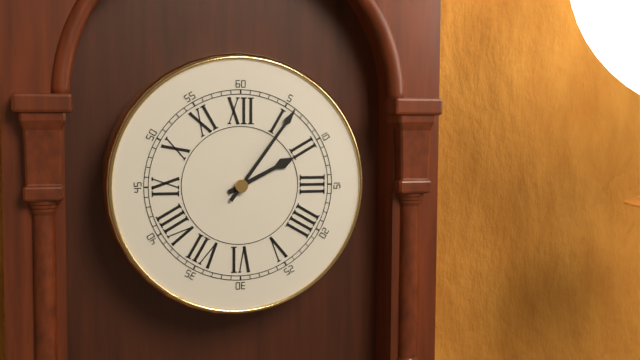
2:06
